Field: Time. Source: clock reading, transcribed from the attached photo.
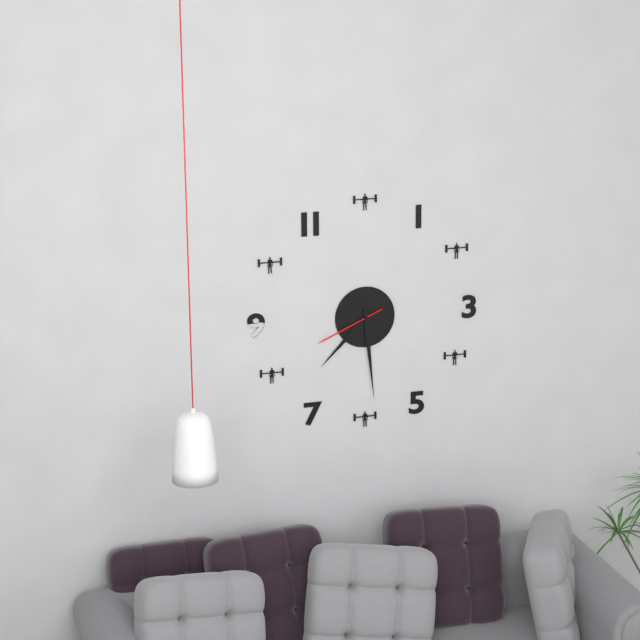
7:29:41
